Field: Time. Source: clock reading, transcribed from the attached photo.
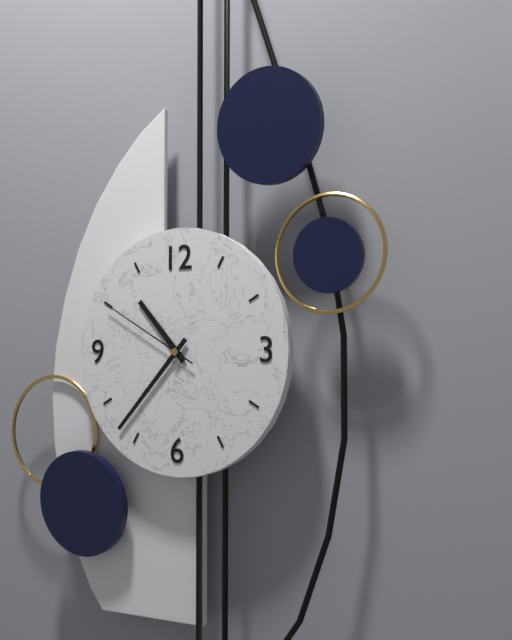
10:37:50
